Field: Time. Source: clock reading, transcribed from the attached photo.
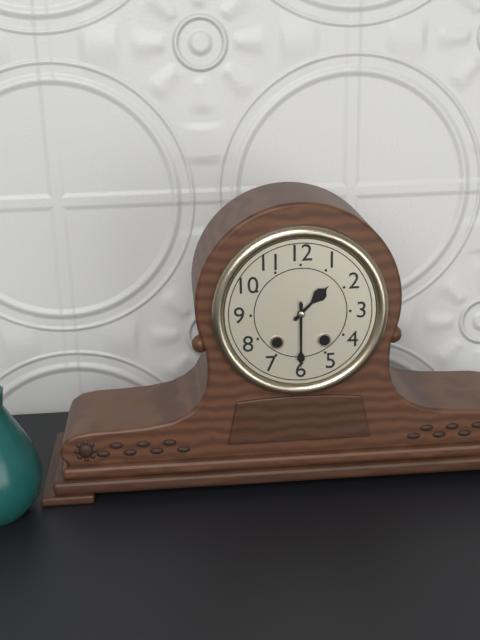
1:30
